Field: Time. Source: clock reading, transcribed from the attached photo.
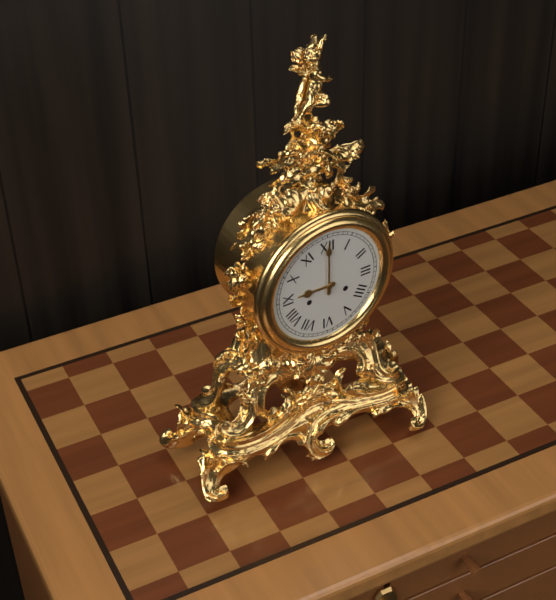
9:00
